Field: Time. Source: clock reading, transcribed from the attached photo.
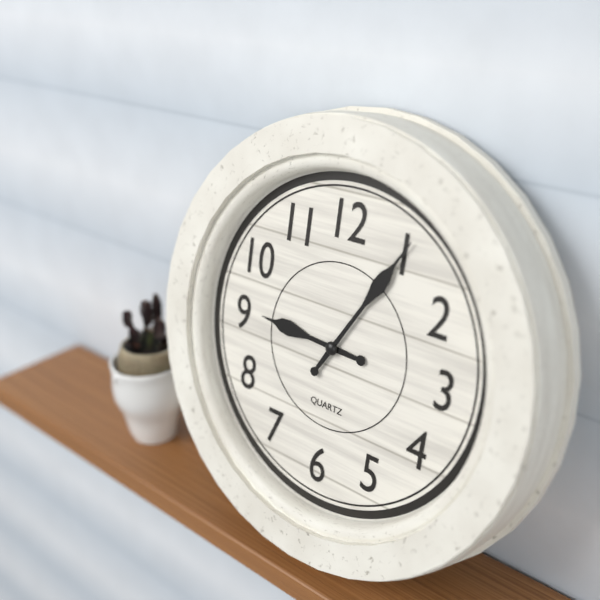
9:05
